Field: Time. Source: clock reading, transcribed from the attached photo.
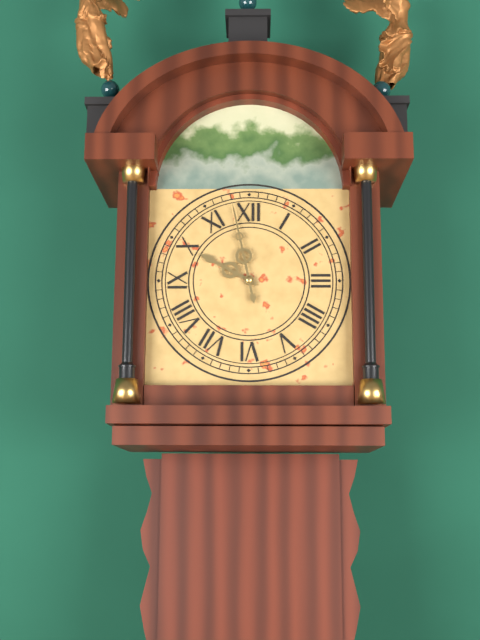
9:58
